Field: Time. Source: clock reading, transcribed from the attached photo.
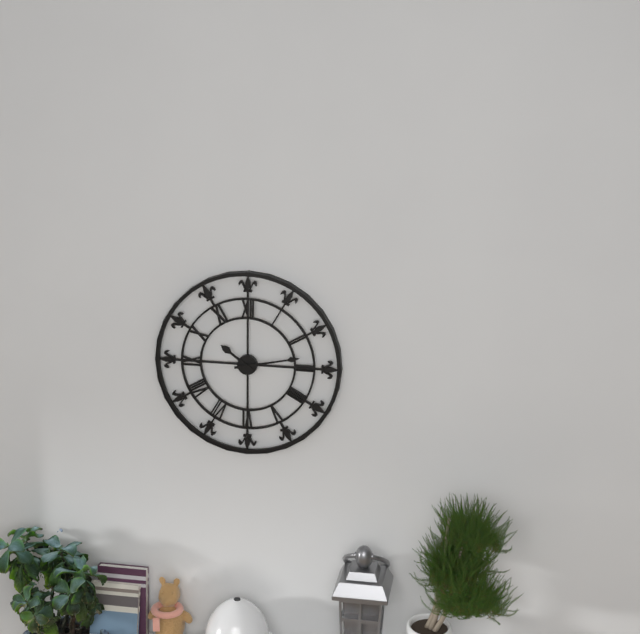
10:13
